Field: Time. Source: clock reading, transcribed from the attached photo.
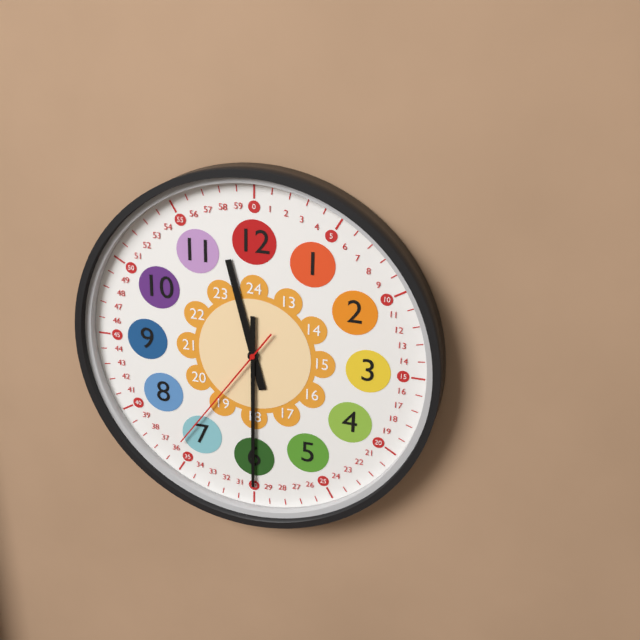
11:30:36
